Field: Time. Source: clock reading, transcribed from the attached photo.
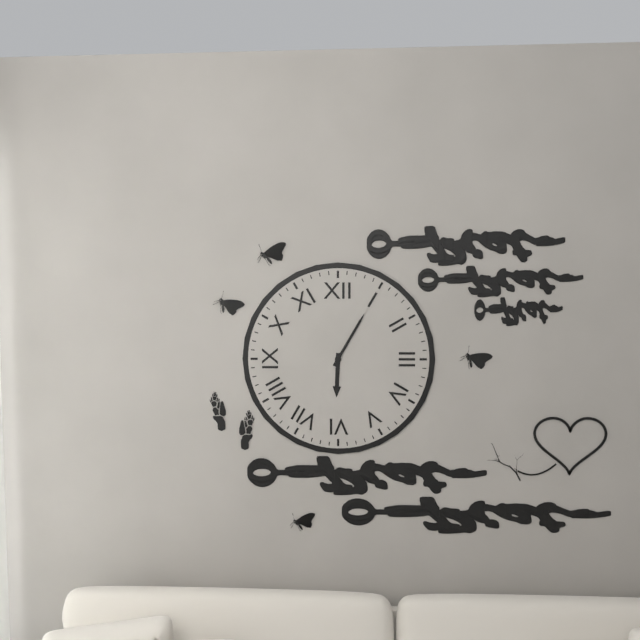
6:05
